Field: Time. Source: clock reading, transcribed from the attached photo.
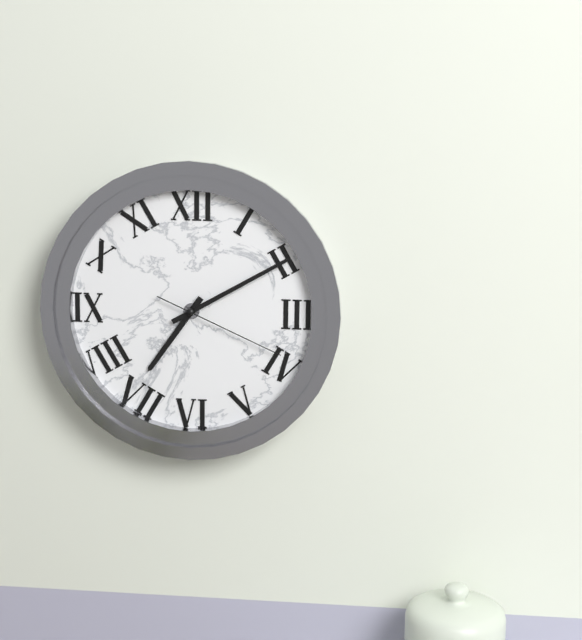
7:10:19
